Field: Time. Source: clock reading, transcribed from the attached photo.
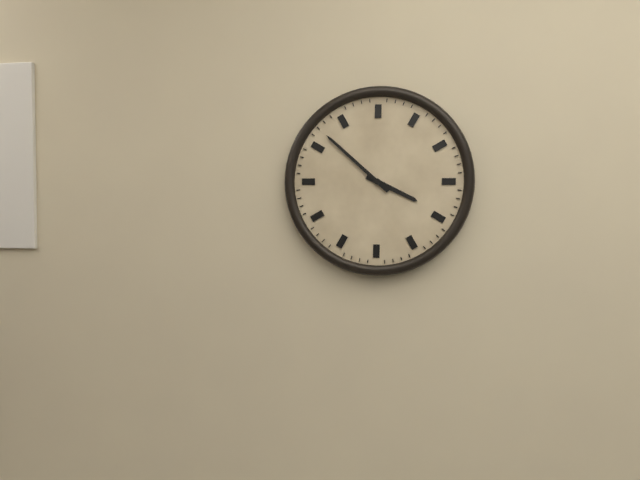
3:52
